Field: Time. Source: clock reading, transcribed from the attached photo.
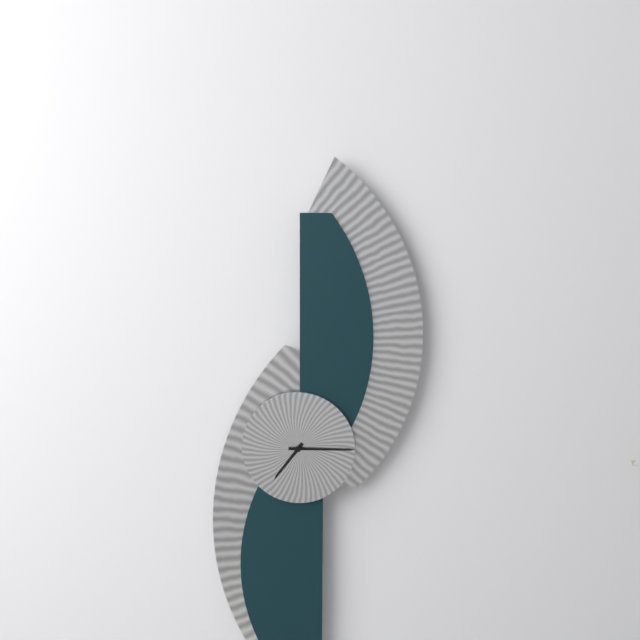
7:15
